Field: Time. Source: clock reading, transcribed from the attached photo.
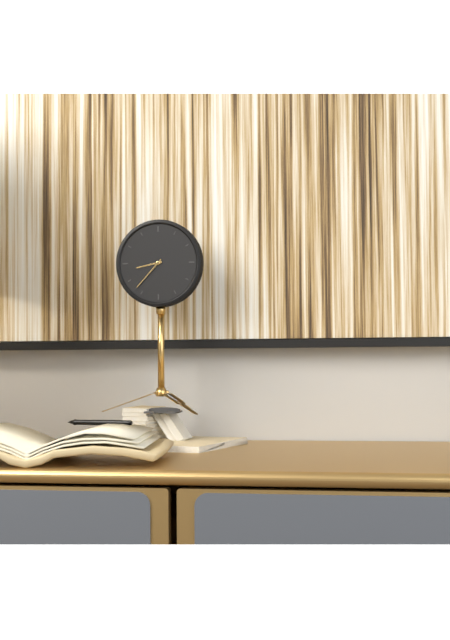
8:37
